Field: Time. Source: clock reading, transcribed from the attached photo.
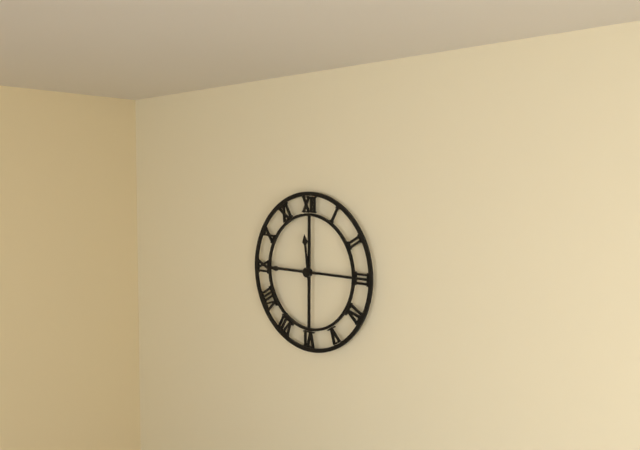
11:45
